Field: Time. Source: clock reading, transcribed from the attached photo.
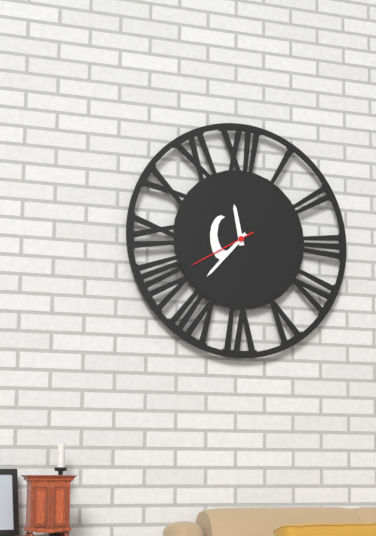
11:37:40
